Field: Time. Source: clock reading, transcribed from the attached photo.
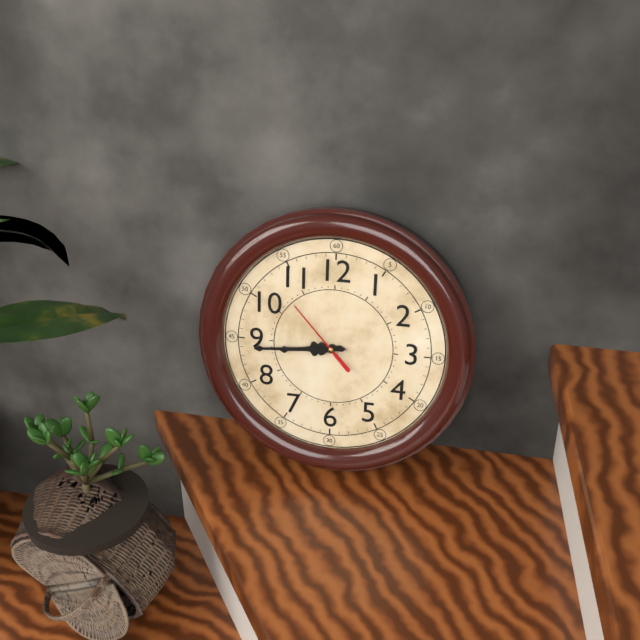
8:44:53
